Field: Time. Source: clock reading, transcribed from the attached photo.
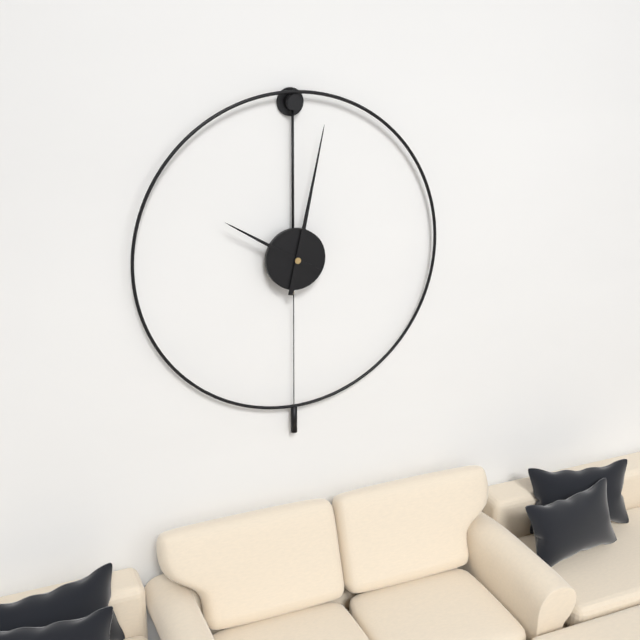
10:02
